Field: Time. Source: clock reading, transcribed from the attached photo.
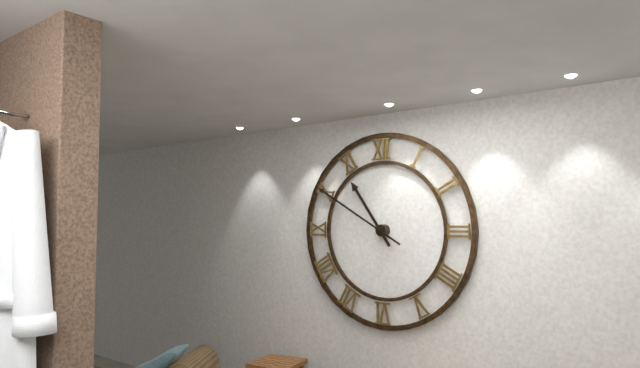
10:50
